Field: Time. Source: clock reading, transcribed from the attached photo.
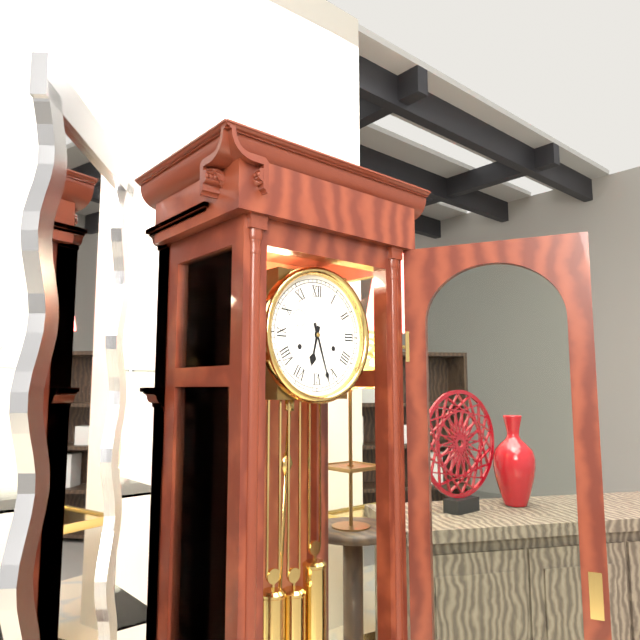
6:27
